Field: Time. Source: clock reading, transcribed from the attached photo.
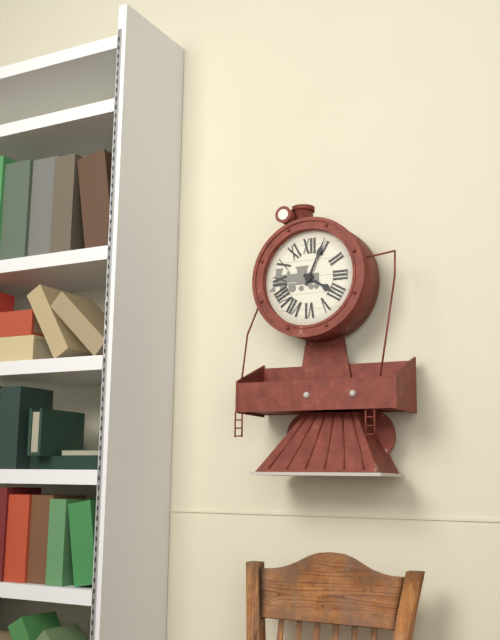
4:04
